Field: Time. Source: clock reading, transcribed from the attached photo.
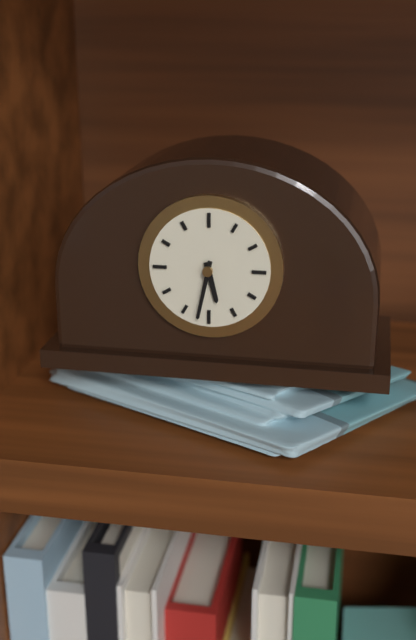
5:32
